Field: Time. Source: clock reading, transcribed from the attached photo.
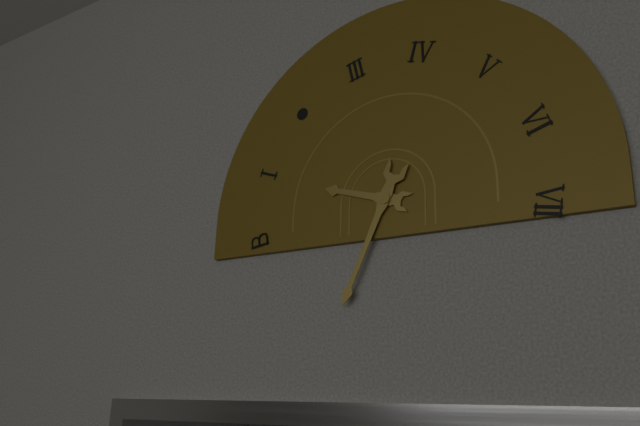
9:34
